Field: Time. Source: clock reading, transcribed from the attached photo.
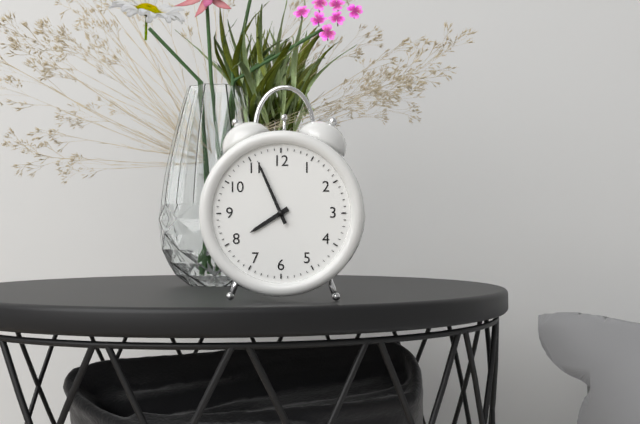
7:56
